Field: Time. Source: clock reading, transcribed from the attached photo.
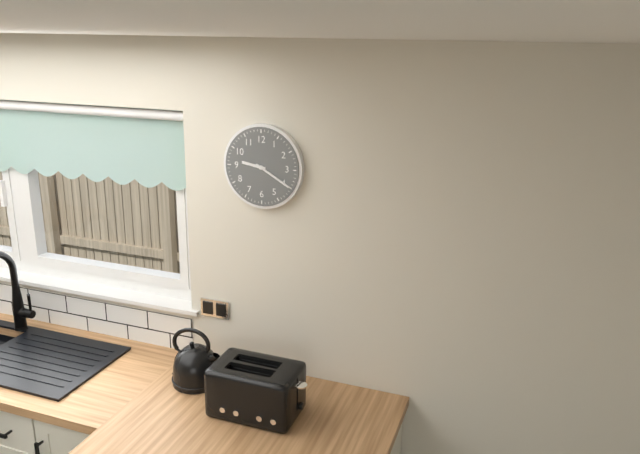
9:20
